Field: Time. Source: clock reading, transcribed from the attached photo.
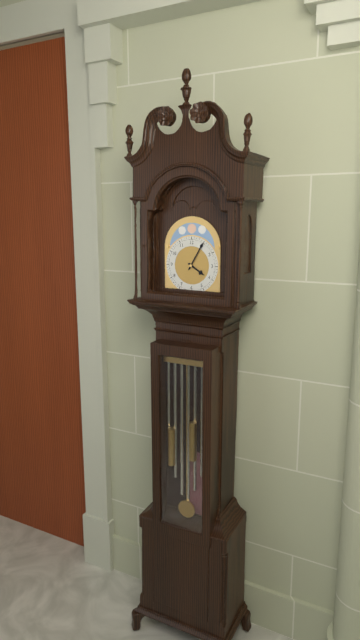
4:05
